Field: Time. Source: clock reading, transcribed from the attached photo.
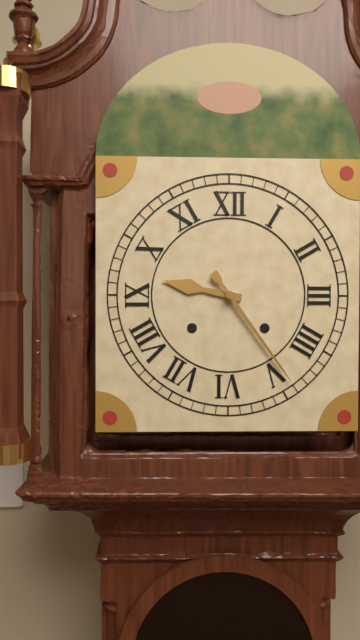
9:24
